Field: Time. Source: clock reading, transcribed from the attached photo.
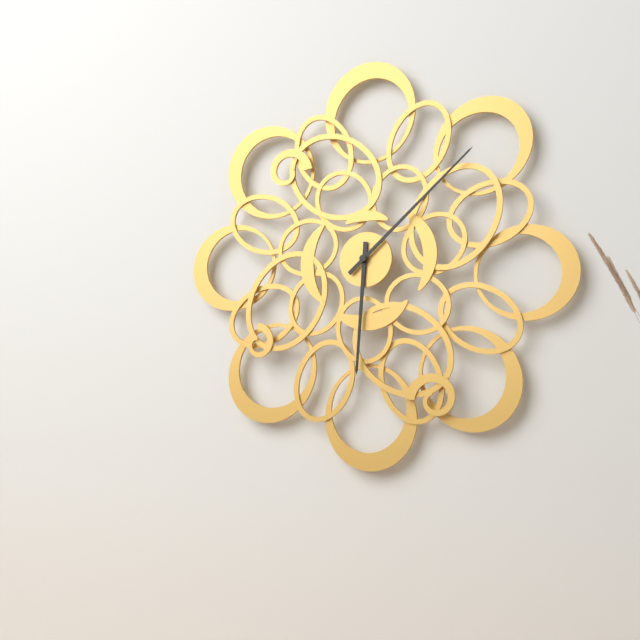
6:08
